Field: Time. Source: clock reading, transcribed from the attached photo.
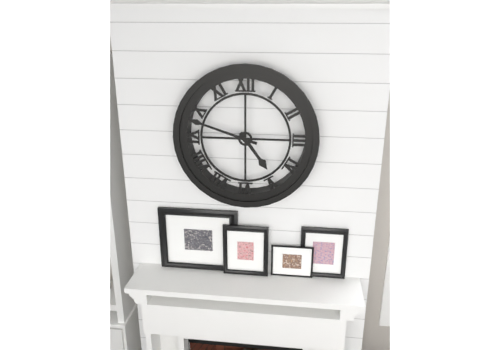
4:48
